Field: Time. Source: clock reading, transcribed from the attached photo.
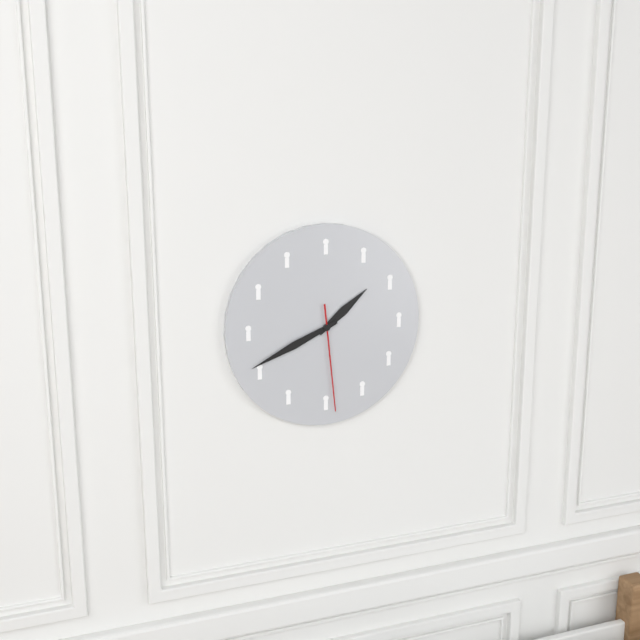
1:41:29
